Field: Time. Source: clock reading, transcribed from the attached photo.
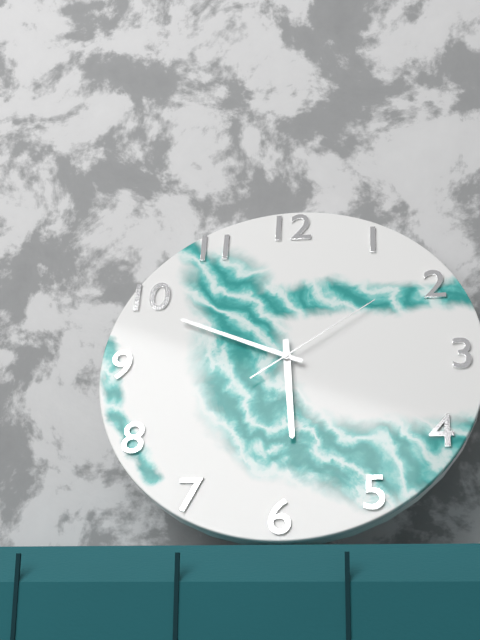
5:49:09
